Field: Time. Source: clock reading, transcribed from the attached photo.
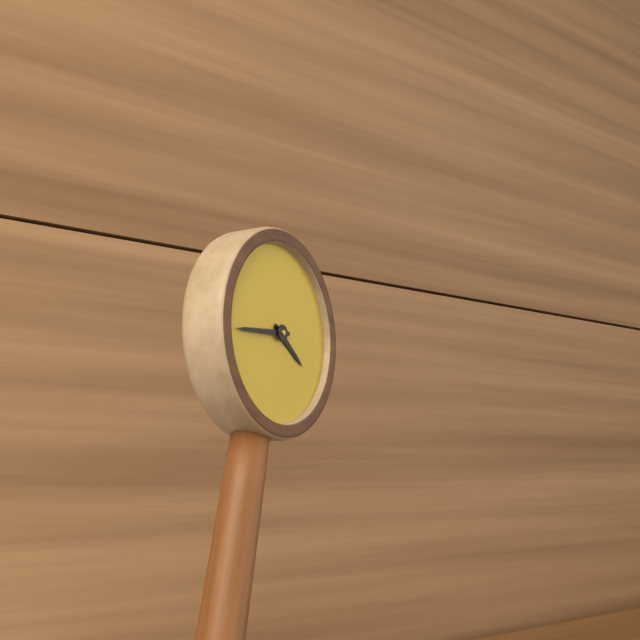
3:42
